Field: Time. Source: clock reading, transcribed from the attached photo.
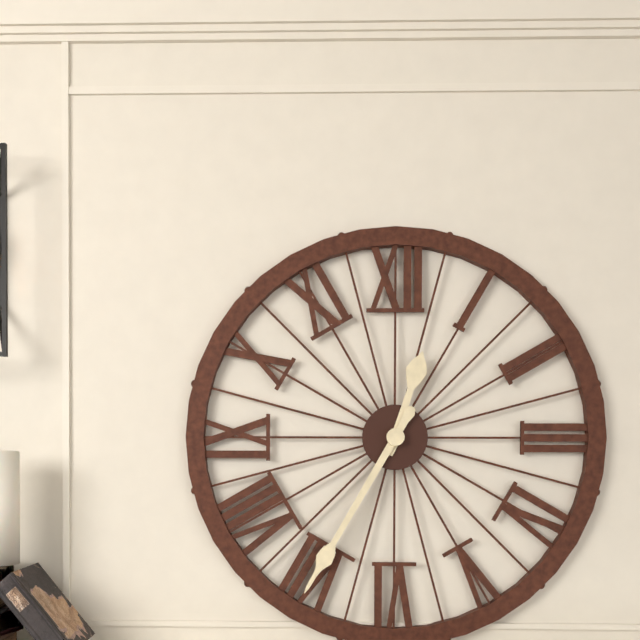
12:35
